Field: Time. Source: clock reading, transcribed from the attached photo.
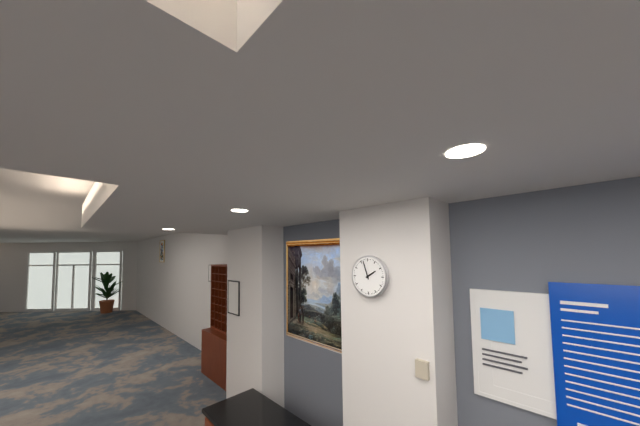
1:57
